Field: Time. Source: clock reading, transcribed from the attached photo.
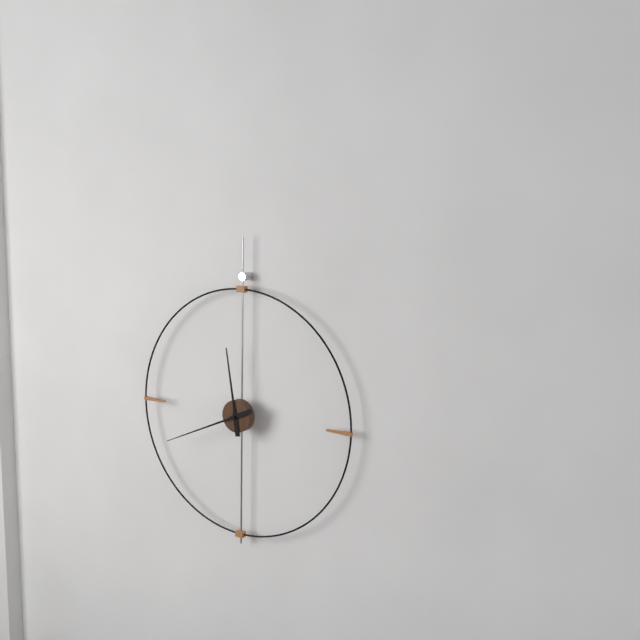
11:41
